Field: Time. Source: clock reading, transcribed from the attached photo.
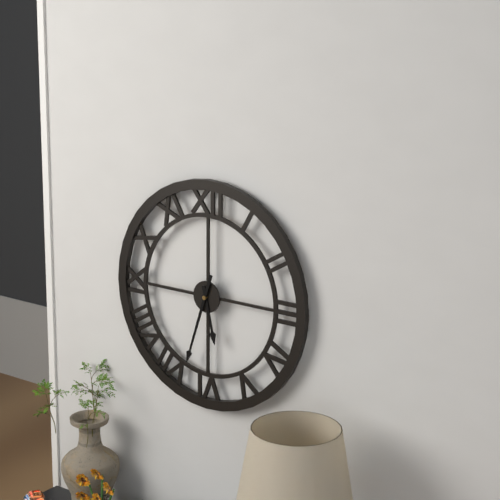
5:33
